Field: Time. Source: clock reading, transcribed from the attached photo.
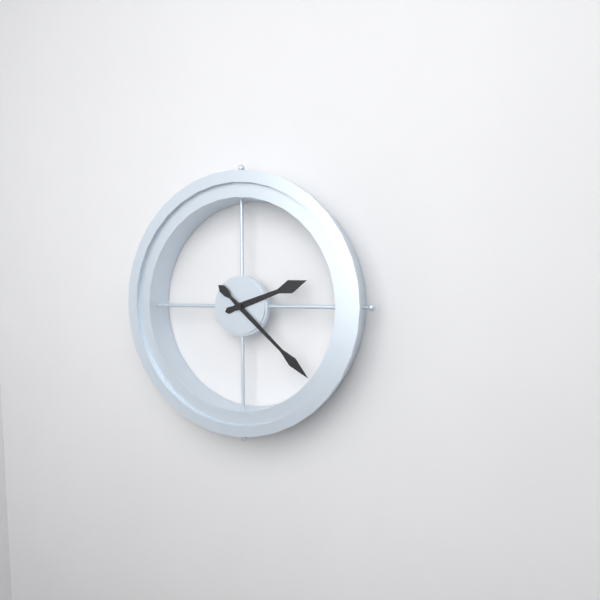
2:22
